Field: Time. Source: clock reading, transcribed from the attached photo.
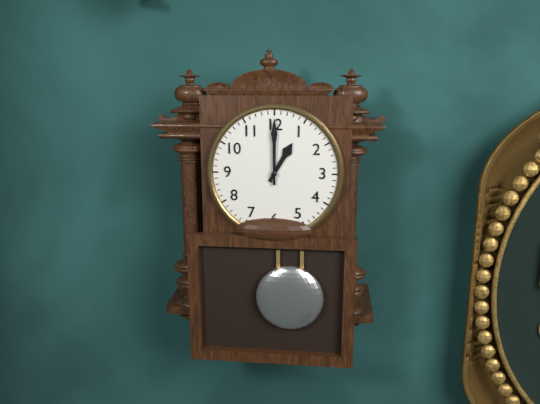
1:00
